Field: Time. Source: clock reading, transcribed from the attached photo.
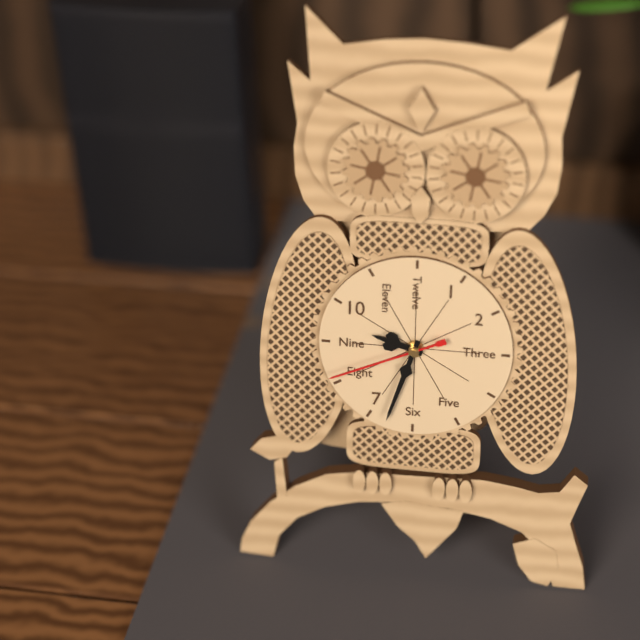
9:33:41
